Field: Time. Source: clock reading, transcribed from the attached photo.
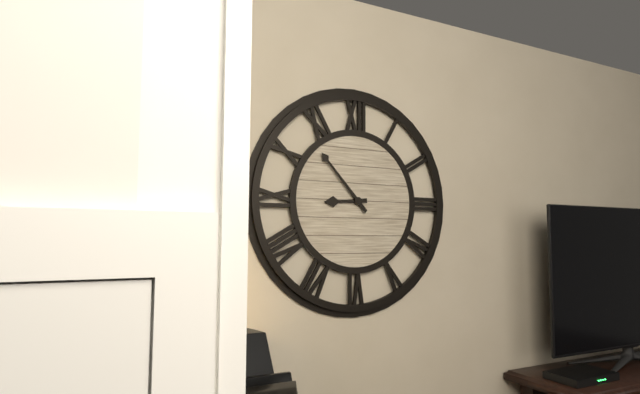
8:53
